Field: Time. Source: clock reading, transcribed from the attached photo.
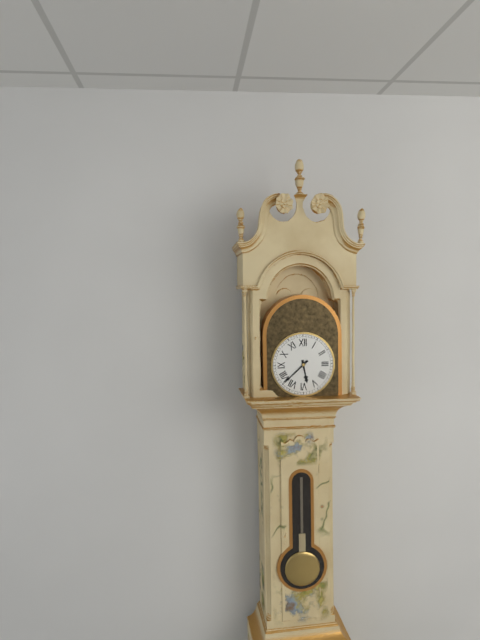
5:38
